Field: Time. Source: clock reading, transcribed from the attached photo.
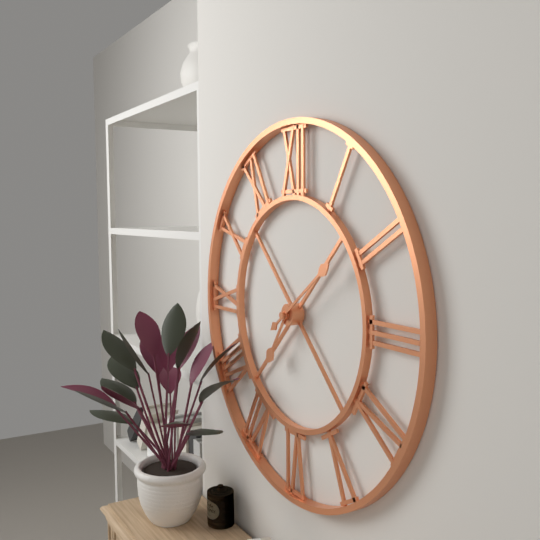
7:09
